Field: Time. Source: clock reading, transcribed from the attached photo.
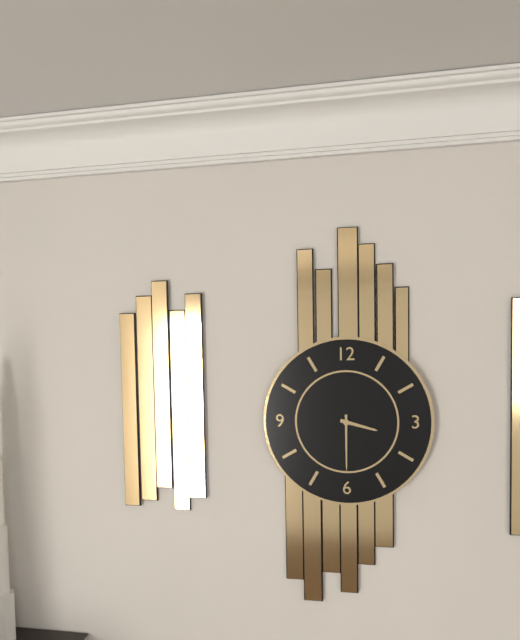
3:30
